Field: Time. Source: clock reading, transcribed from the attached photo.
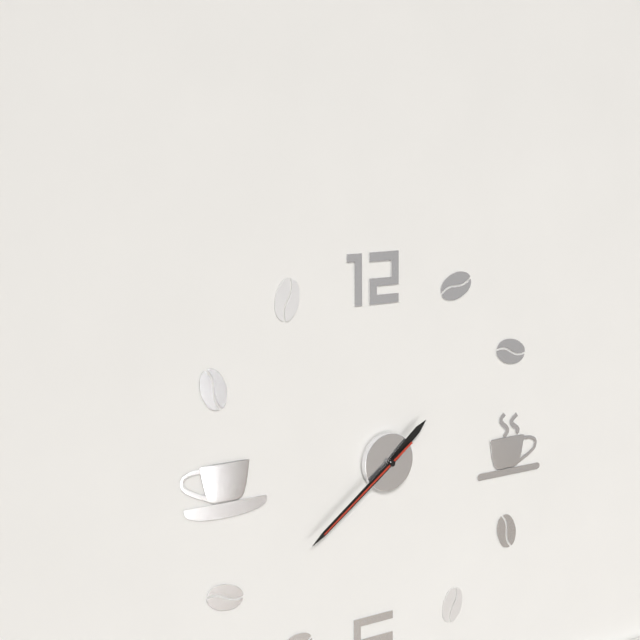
1:39:39
